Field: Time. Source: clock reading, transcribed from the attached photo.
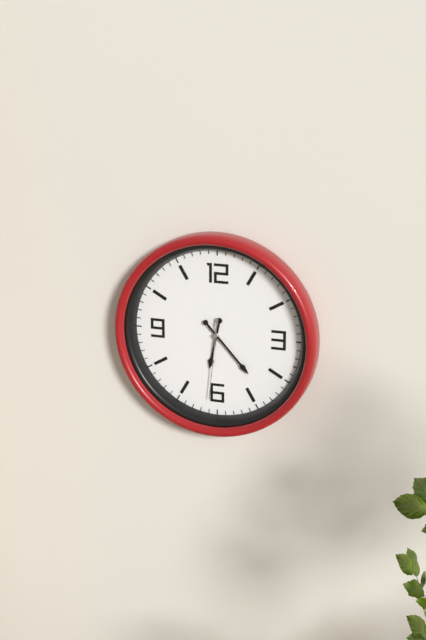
6:23:31
